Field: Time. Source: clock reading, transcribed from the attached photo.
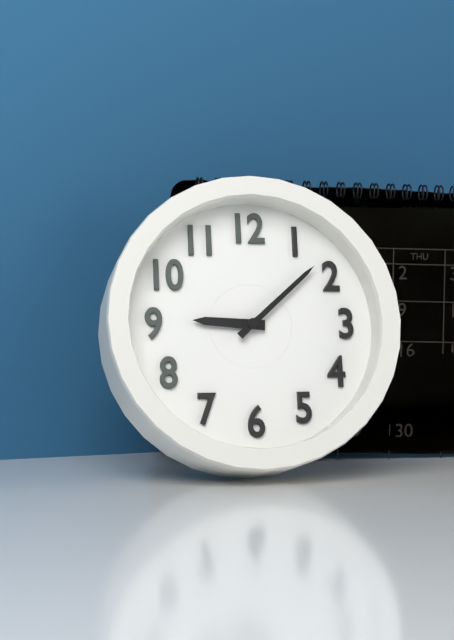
9:08
